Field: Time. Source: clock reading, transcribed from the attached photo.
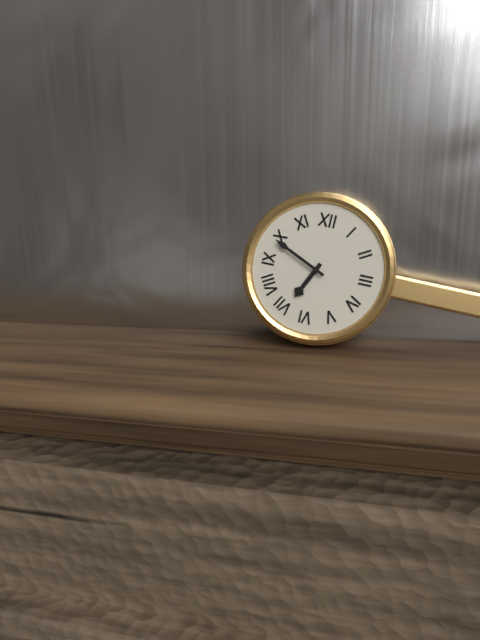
6:49
